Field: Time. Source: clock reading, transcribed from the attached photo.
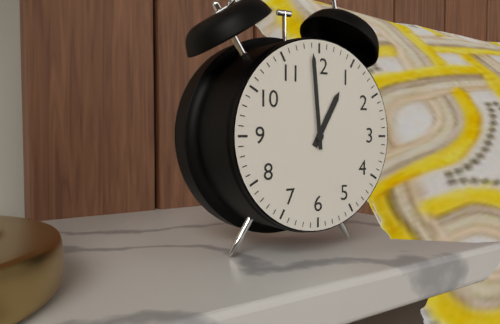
12:59
